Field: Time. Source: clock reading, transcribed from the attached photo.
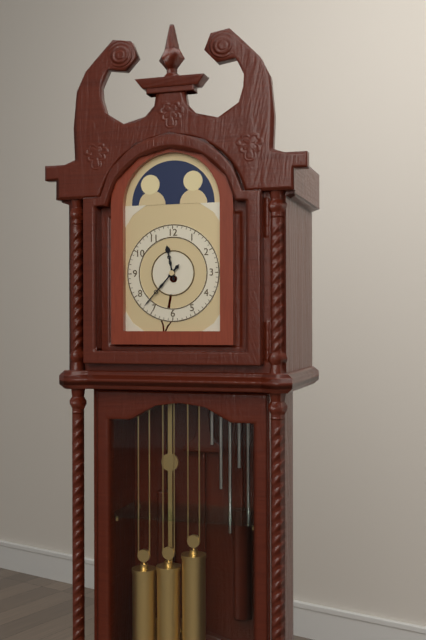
11:37
